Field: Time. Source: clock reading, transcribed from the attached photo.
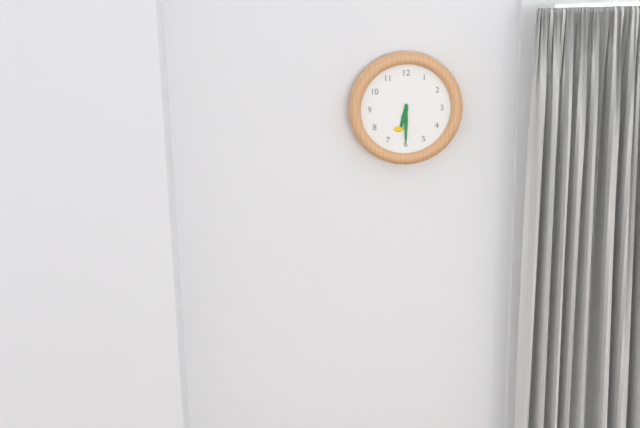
6:30
